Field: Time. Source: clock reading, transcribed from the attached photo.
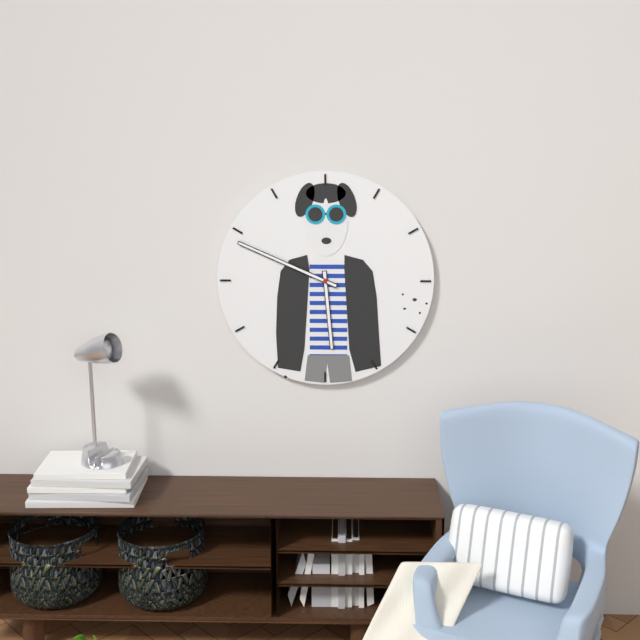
5:49
